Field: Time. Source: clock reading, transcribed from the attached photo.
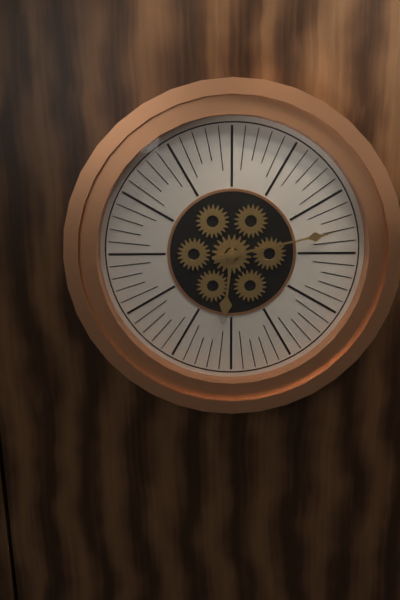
6:13
